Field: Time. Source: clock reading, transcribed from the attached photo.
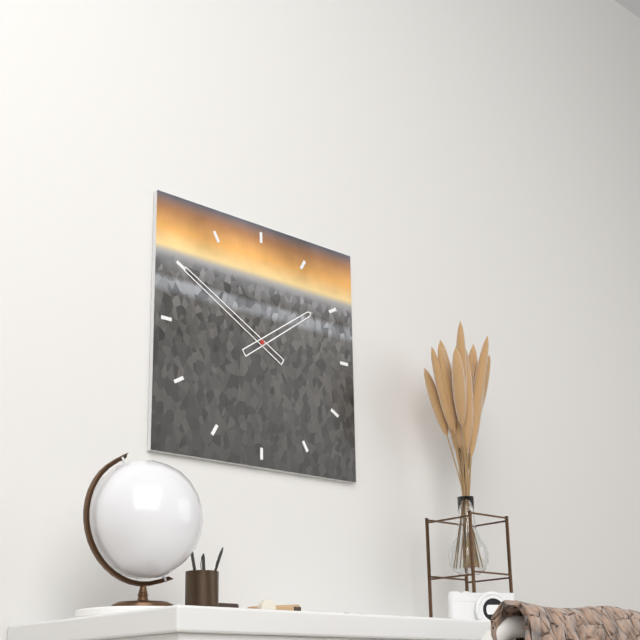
1:50
